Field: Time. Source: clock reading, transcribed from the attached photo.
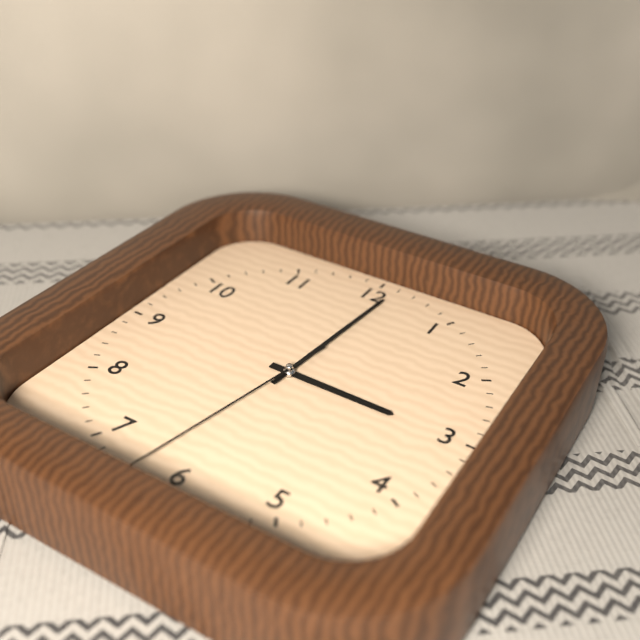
3:01:32
